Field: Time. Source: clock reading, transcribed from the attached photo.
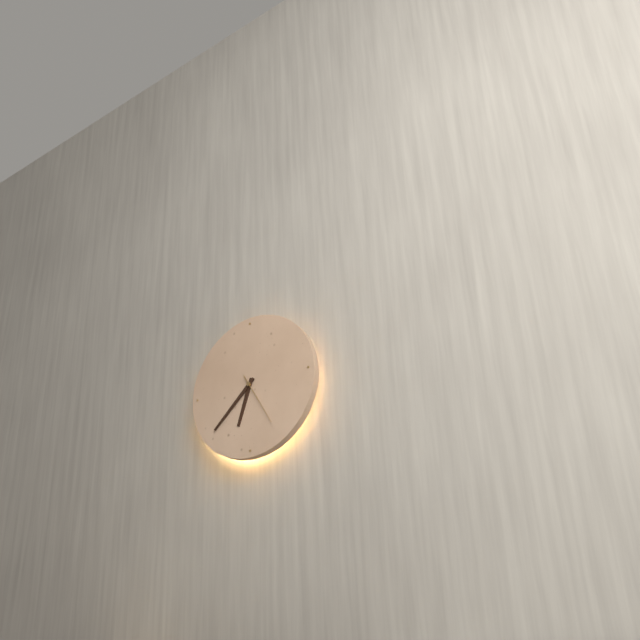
6:38:25
